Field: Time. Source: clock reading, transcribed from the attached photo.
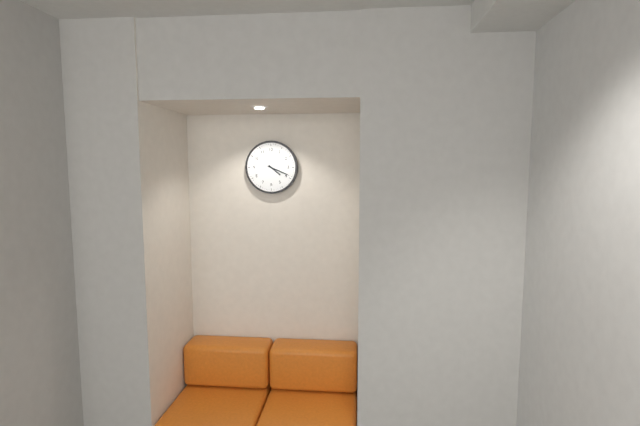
4:19
